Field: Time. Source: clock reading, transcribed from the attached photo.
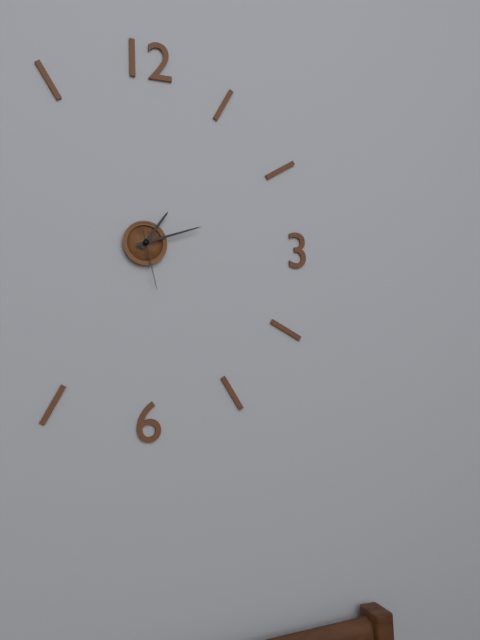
1:12:28
